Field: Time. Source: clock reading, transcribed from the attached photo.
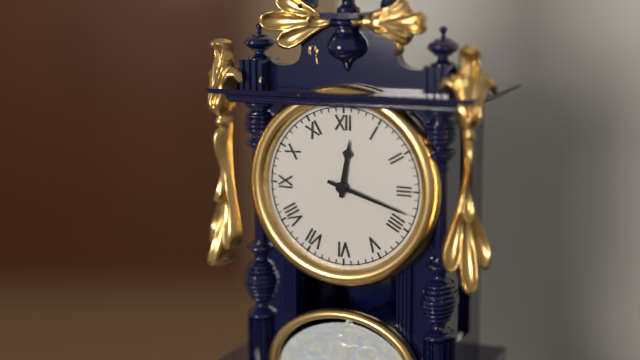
12:18
